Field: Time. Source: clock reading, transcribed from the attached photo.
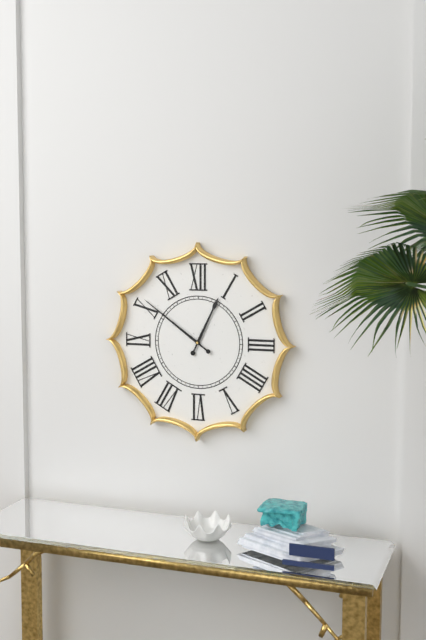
12:51
